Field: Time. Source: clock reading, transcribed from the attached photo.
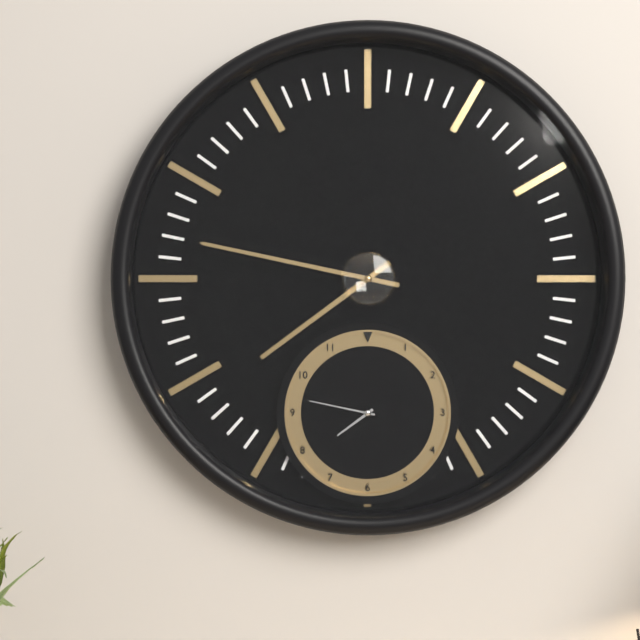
7:47
